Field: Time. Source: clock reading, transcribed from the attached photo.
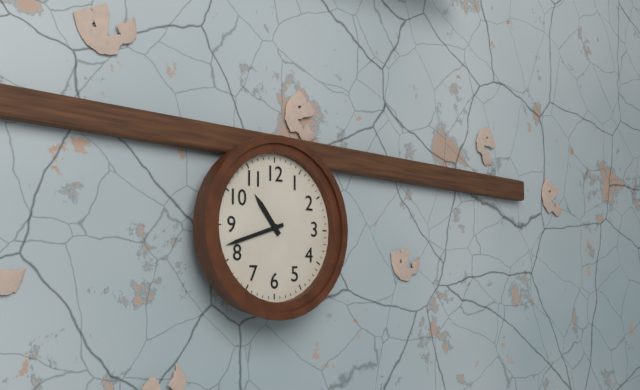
10:42
